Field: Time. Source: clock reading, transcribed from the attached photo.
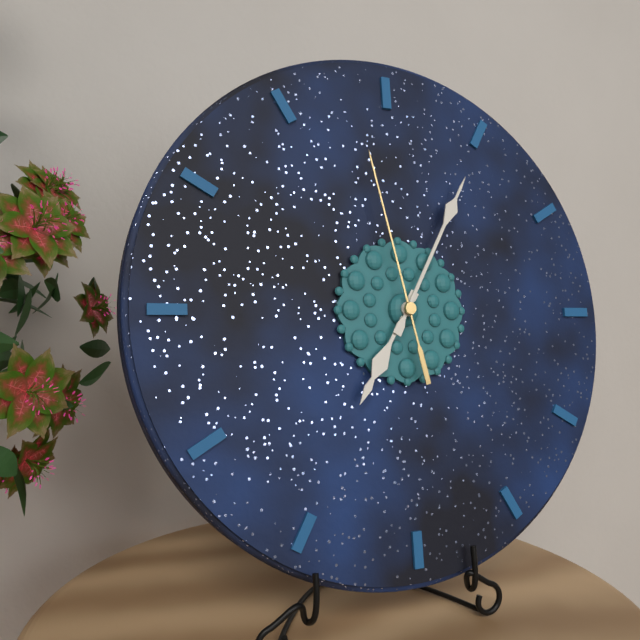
7:05:58
